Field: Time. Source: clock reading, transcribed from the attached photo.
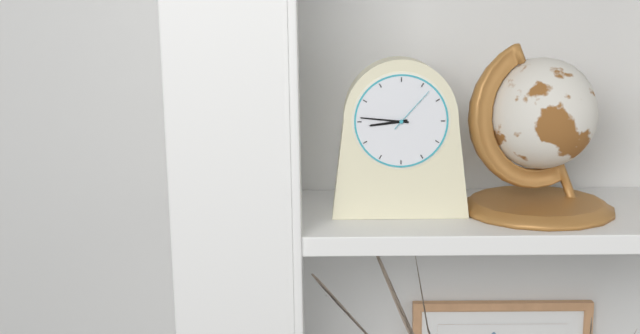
8:46:07
